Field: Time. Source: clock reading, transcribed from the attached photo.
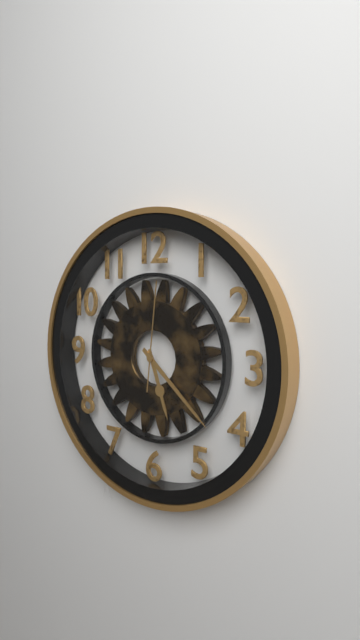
5:22:01
